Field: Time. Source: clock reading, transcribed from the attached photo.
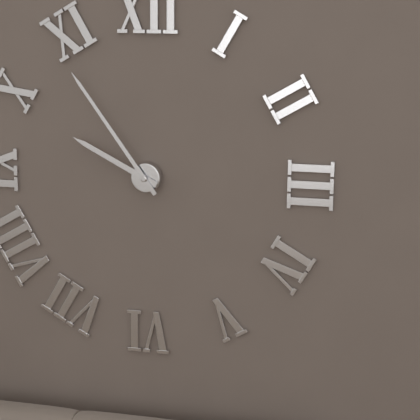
9:54
